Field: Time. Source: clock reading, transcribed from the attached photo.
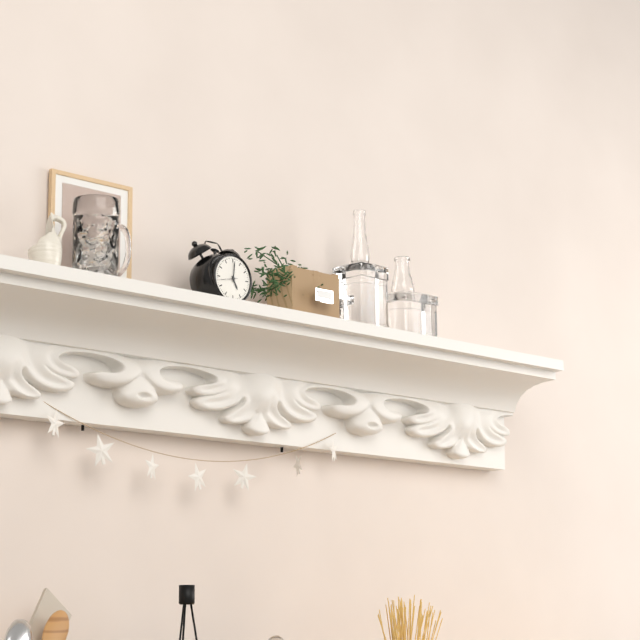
5:01
